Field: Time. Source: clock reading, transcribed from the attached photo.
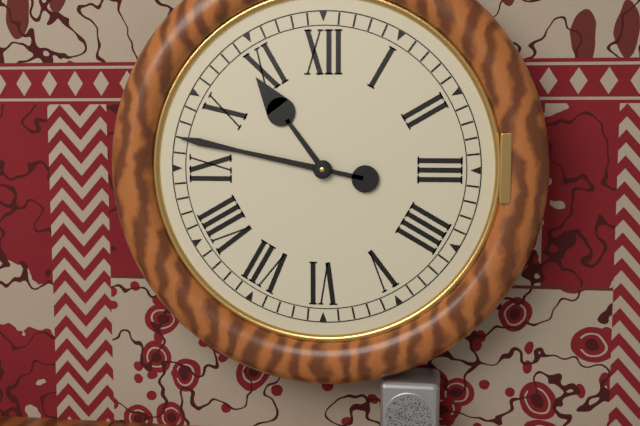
10:47
